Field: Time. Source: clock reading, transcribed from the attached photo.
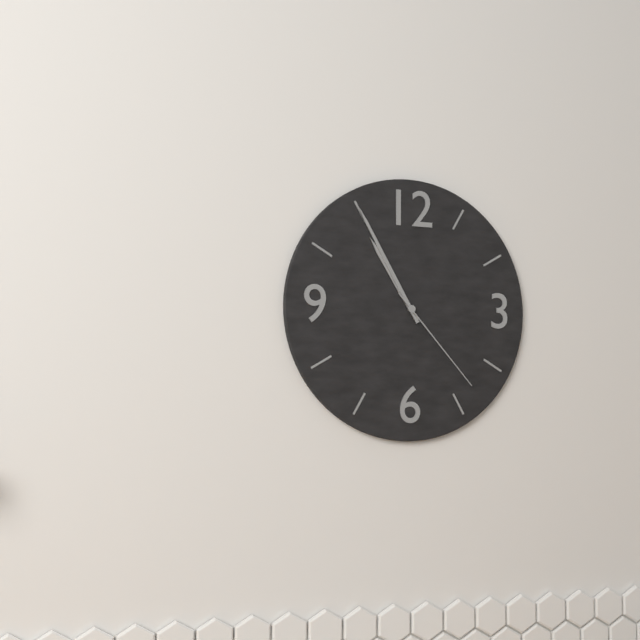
10:55:23
